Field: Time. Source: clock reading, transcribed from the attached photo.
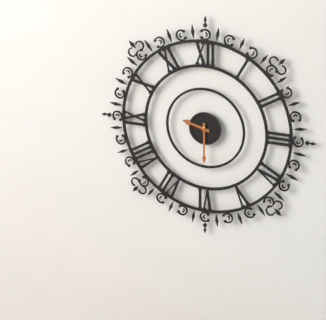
9:30
